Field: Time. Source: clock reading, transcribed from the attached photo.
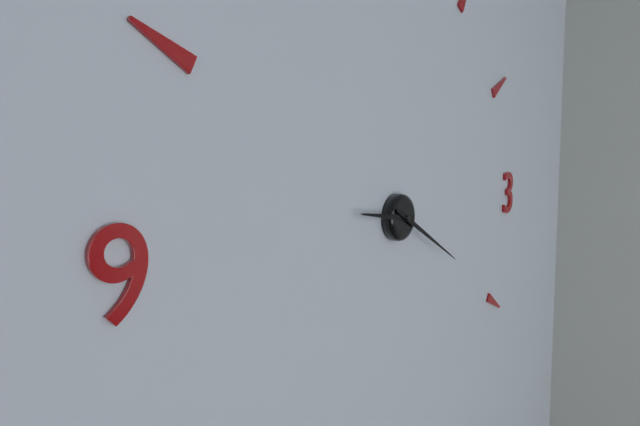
9:20
